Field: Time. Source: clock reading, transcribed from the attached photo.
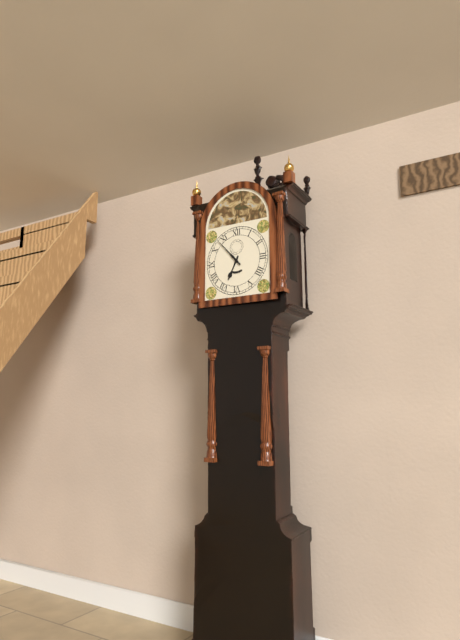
6:53
